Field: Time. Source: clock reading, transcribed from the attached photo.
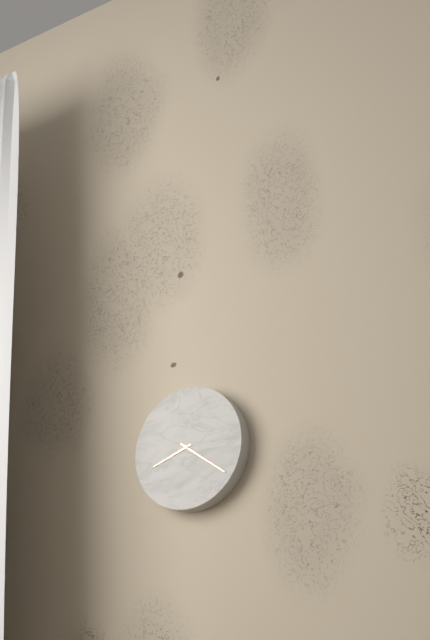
8:21
